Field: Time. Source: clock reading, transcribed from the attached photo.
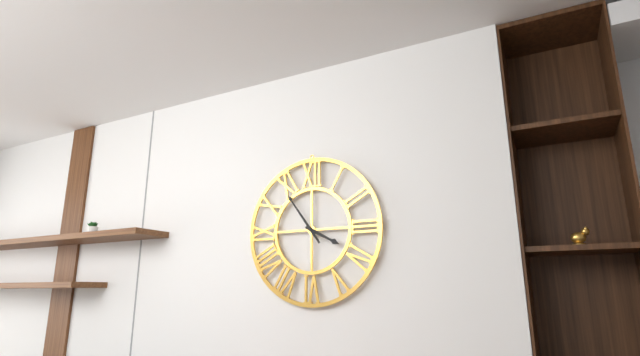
3:54
